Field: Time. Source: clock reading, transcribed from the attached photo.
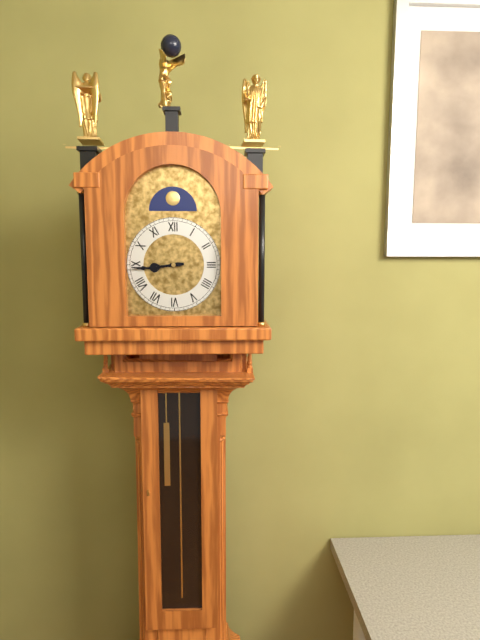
8:44
